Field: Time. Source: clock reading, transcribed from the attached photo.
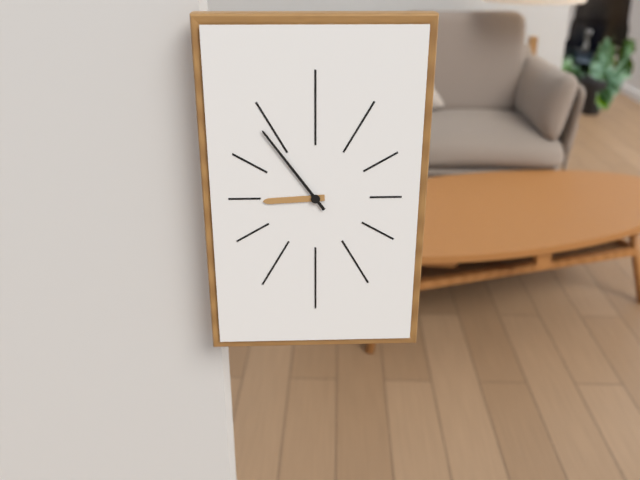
8:54
